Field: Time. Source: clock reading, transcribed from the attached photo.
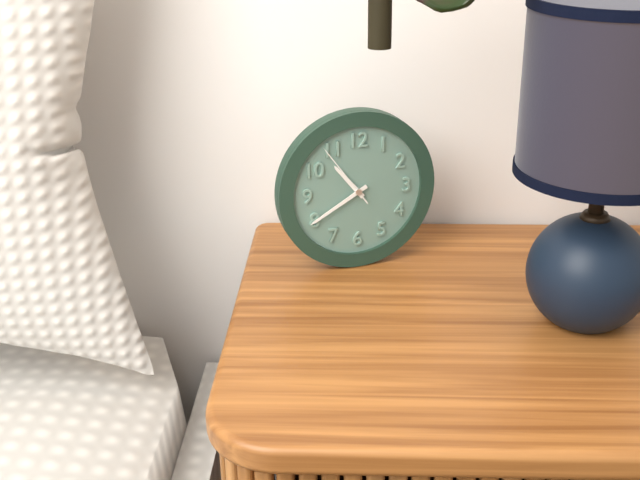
10:40:54
